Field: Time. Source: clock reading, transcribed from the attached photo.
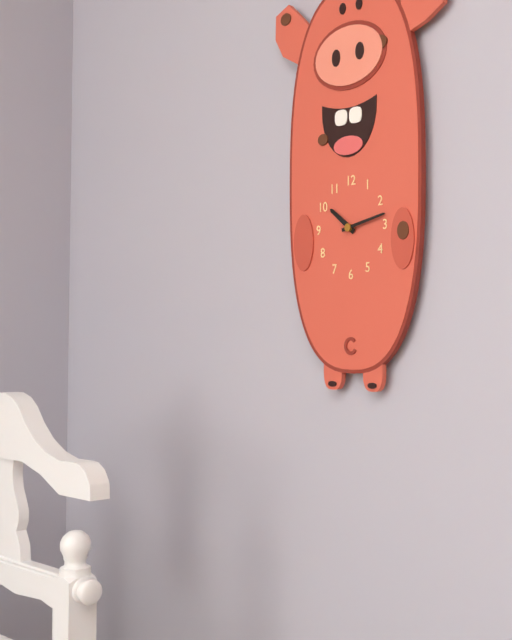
10:13
